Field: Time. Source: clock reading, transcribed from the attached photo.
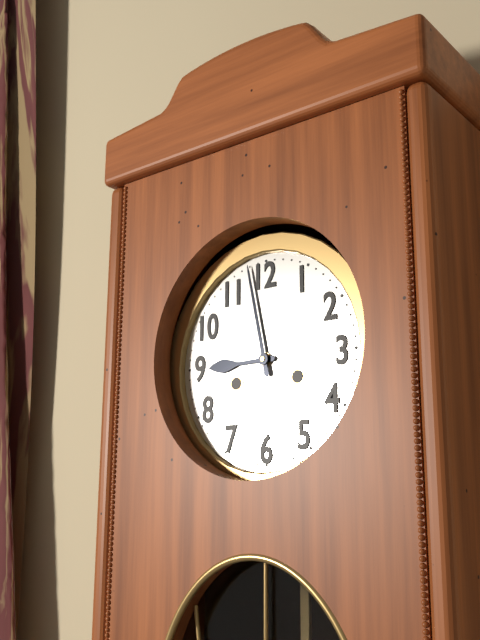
8:58
